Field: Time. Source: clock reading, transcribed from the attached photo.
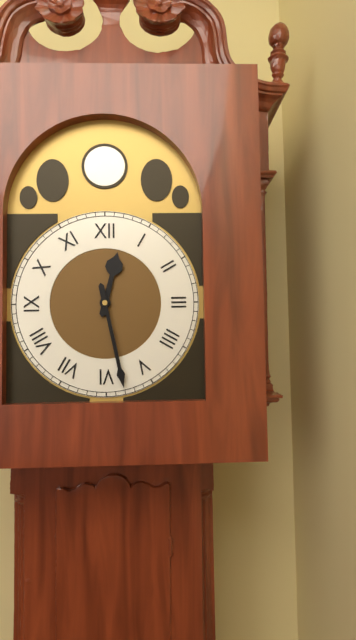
12:28
